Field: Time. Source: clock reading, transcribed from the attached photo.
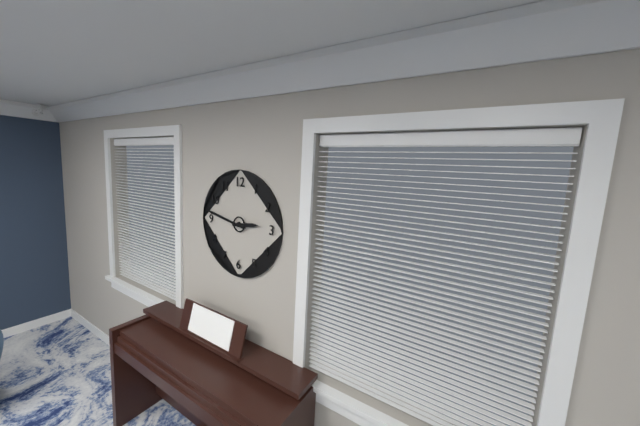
2:47
